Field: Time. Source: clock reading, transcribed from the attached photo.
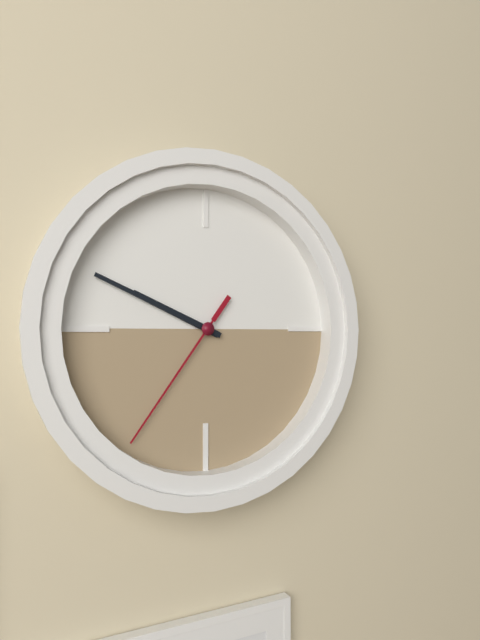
9:49:36
